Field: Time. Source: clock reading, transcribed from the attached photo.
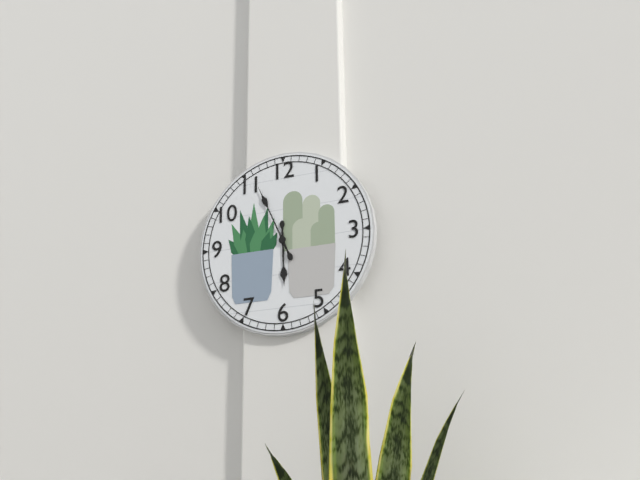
5:56
